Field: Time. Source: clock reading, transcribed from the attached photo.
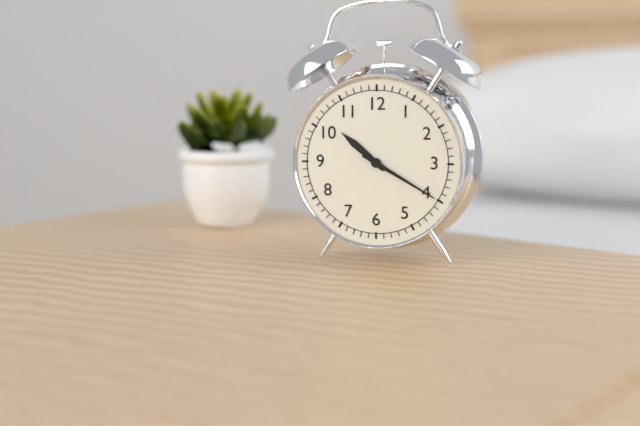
10:20
